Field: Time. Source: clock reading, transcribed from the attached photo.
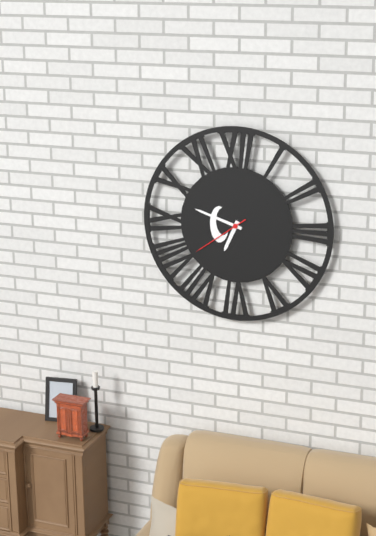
6:48:39
